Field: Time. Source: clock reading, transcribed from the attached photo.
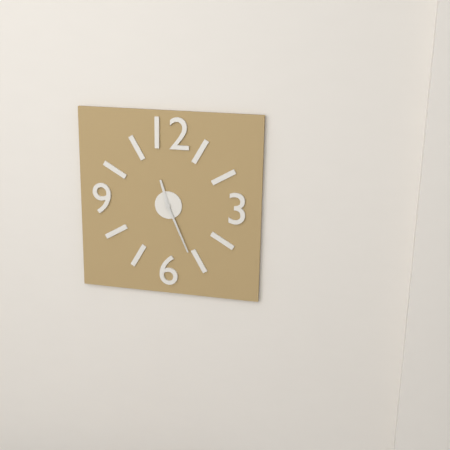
11:26
